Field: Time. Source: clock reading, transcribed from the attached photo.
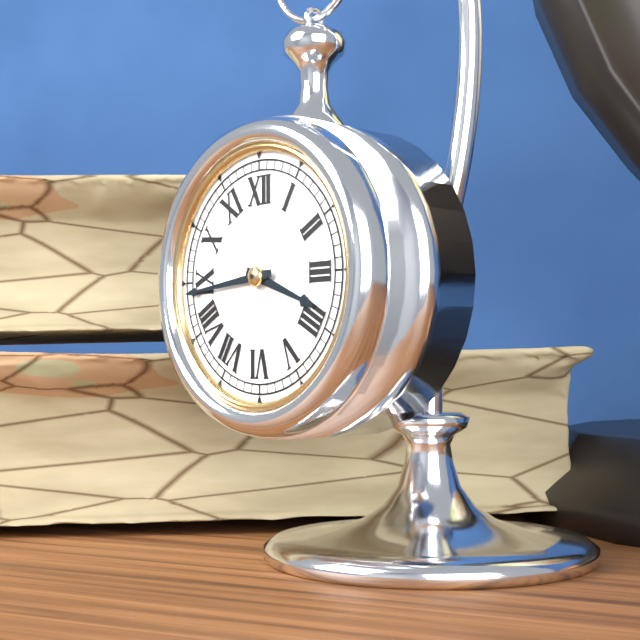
3:44
